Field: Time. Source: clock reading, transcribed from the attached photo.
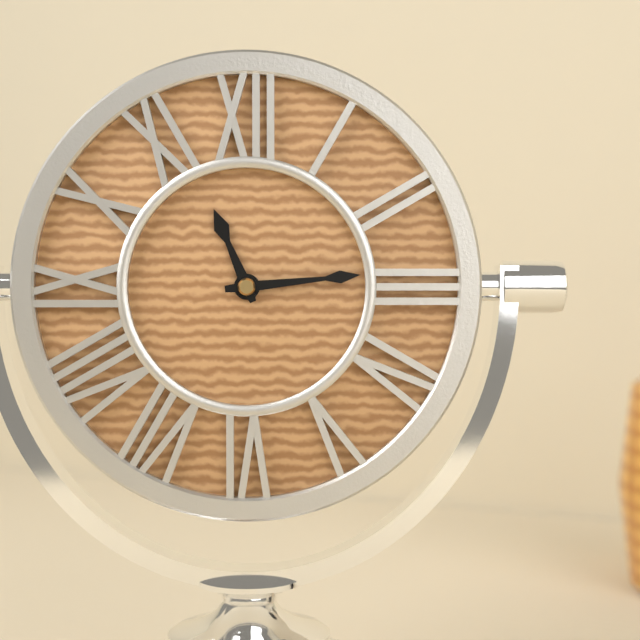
11:14
